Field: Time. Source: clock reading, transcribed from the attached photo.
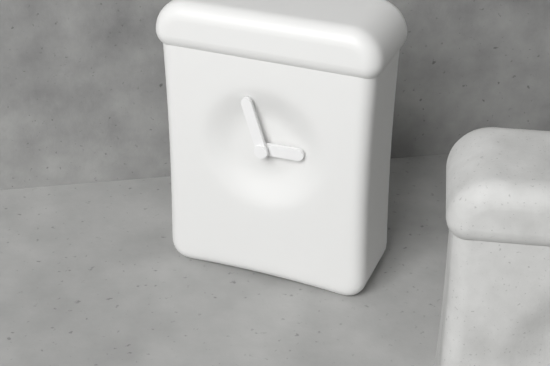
2:57
